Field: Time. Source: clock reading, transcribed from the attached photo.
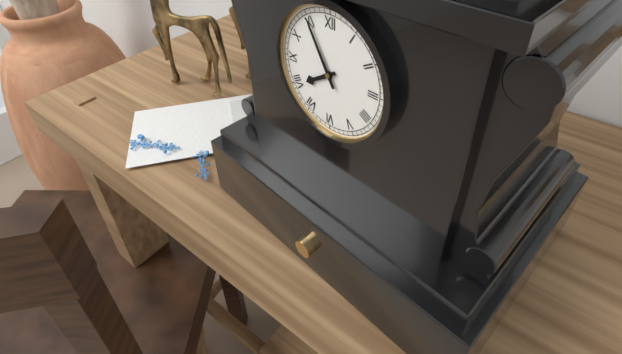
7:55
